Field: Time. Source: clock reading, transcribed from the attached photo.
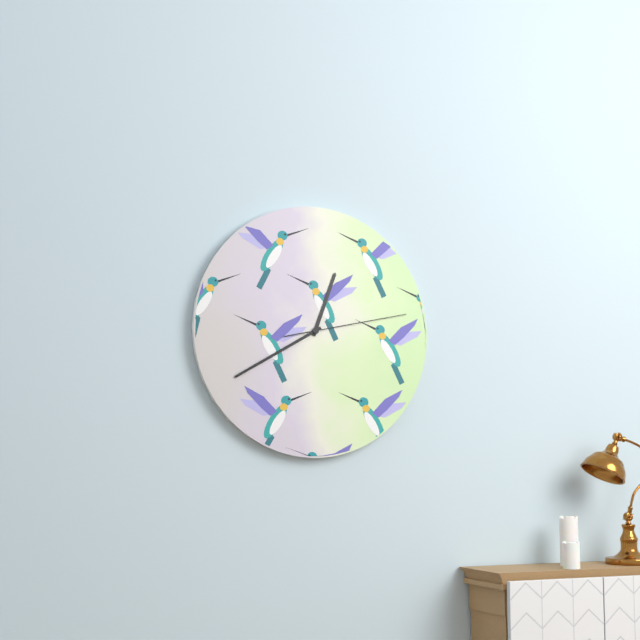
12:40:13
